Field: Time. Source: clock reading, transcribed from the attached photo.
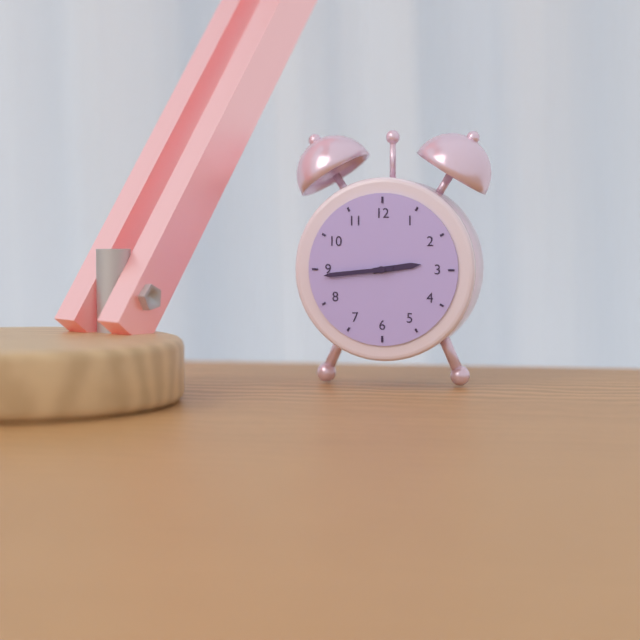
2:44
